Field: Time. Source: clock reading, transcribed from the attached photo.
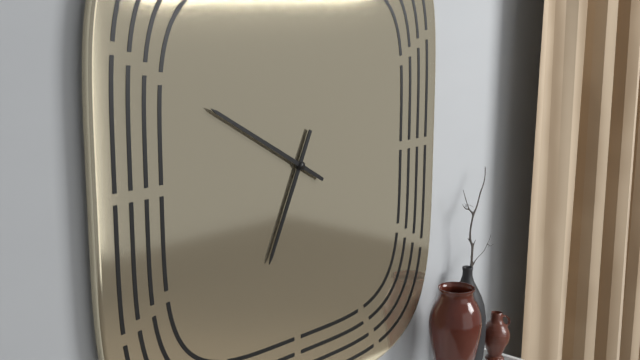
6:50
